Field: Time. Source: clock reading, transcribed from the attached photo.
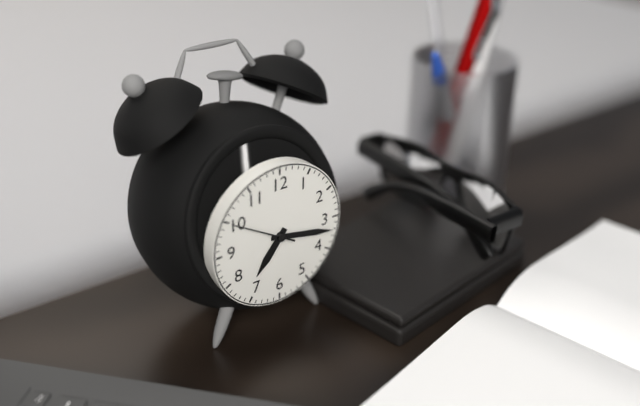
7:17:50
